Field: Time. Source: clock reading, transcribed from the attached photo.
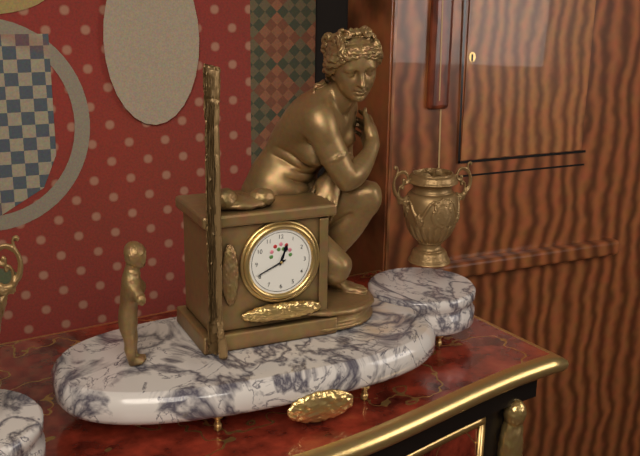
12:41
